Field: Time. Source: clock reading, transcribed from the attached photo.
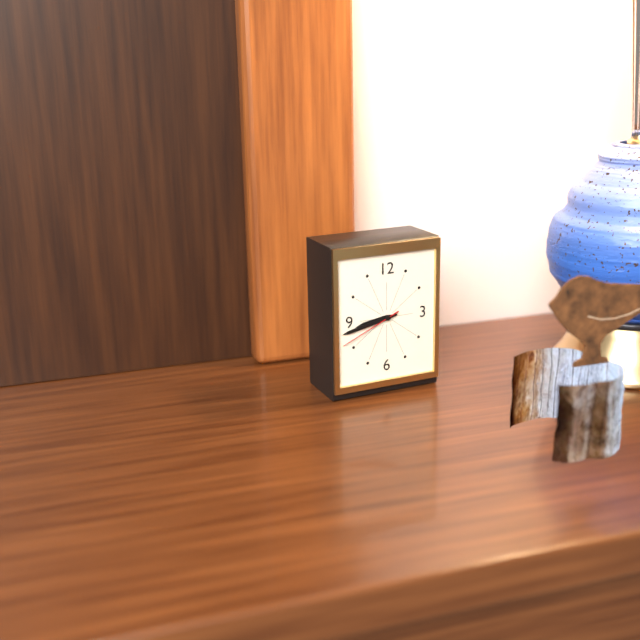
8:43:41
